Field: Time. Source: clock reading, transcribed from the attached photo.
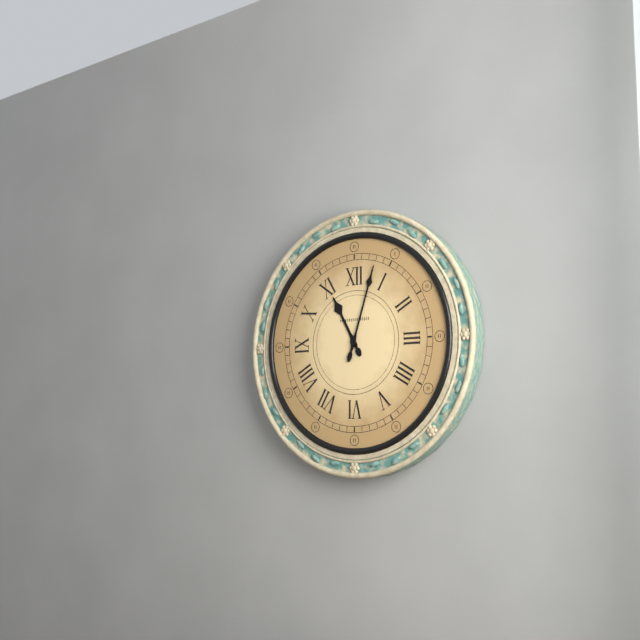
11:03
